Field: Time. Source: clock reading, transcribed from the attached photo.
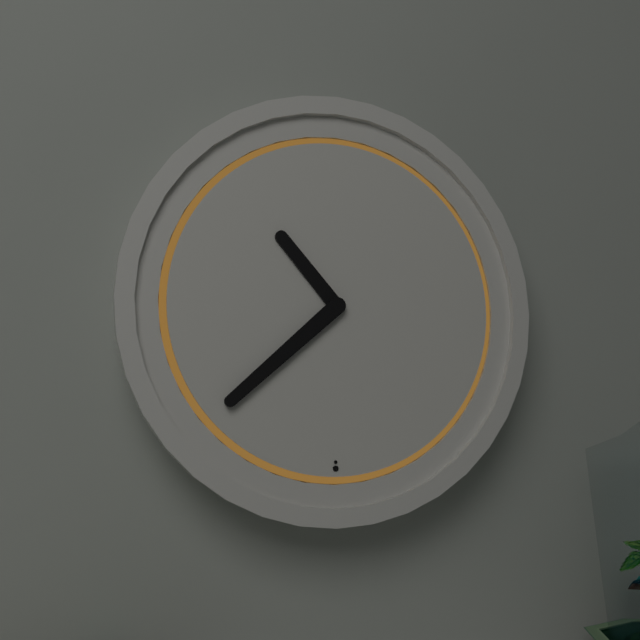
10:38
